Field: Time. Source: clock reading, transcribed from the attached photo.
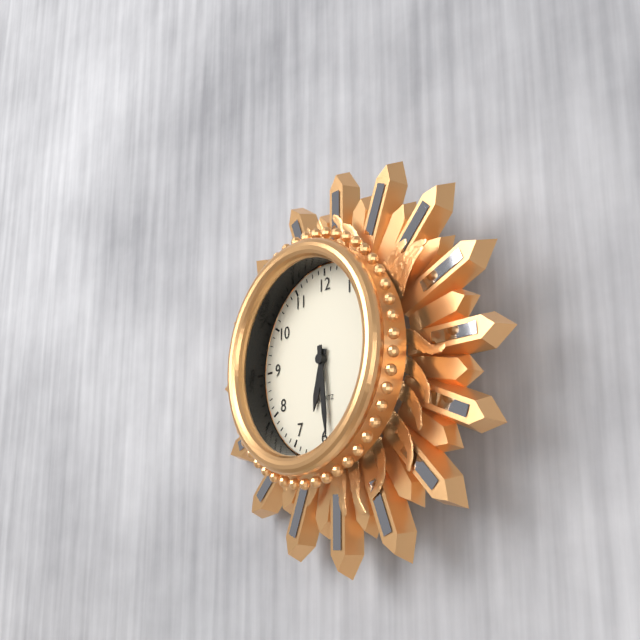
6:29
